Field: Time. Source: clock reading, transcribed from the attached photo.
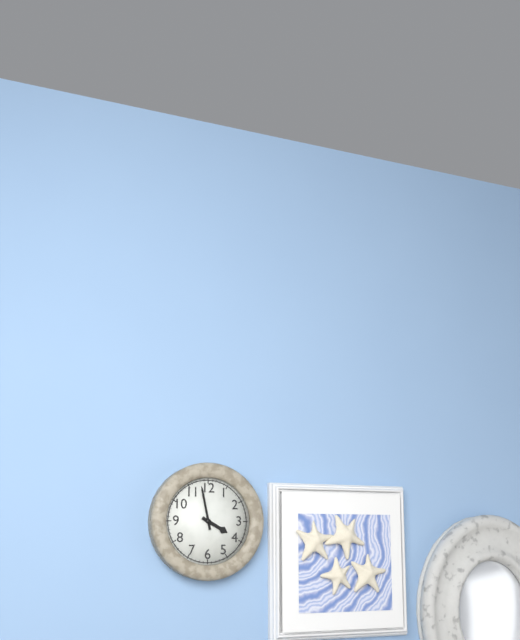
3:58
